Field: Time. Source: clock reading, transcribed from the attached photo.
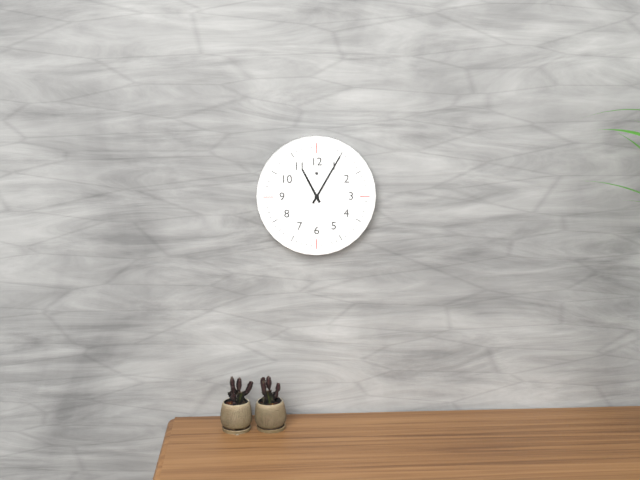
11:05
